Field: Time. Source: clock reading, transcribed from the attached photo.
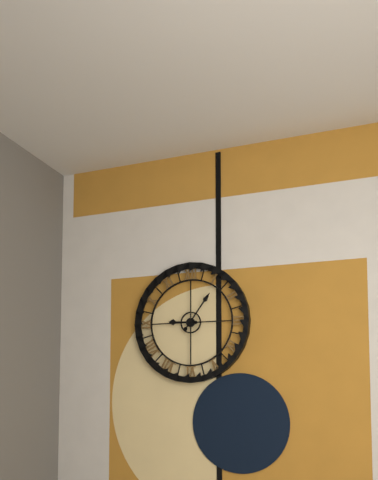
9:06
